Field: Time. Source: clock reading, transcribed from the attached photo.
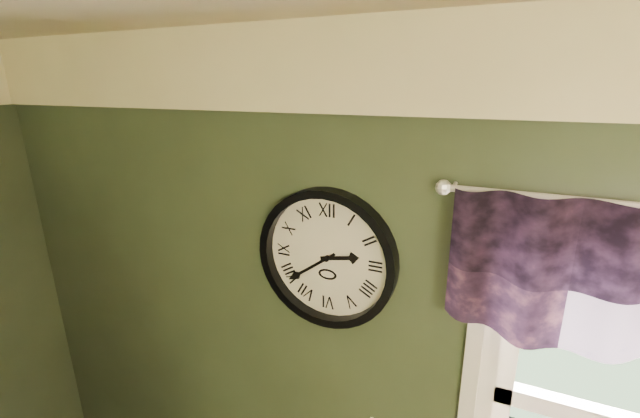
2:39
